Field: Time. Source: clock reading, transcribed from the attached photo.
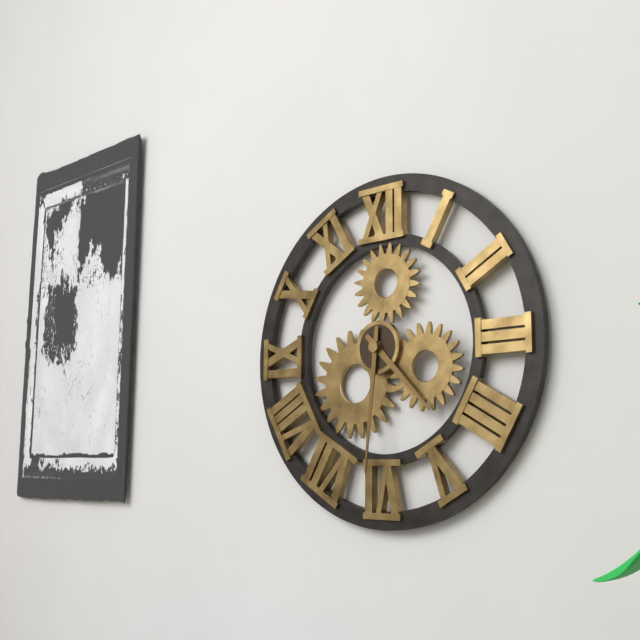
4:31
